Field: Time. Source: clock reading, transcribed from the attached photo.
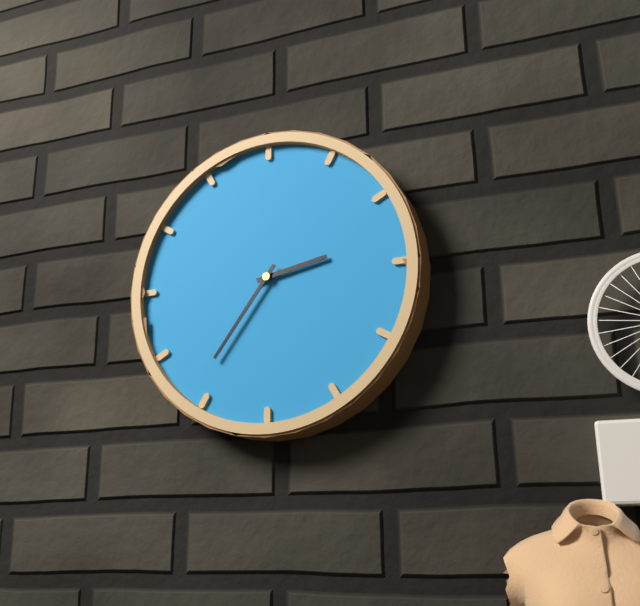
2:36
